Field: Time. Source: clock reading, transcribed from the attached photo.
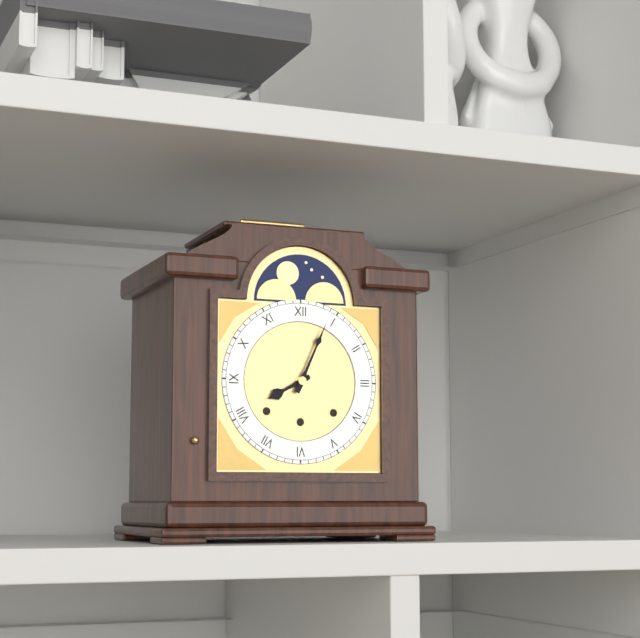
8:04
